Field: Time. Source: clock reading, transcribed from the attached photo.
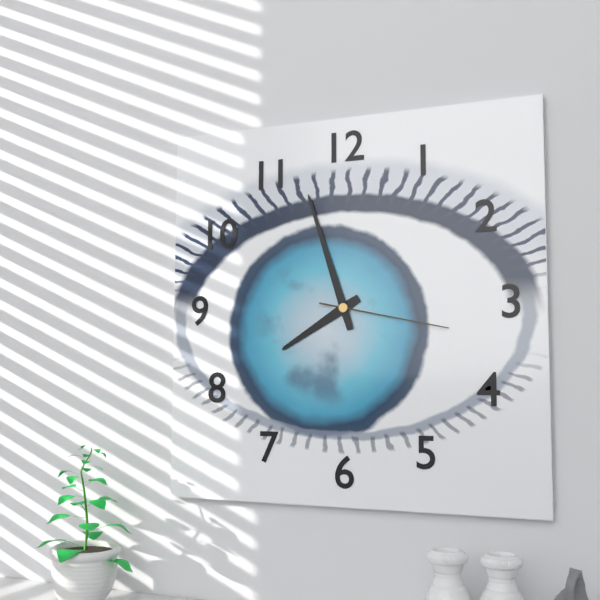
7:57:17
